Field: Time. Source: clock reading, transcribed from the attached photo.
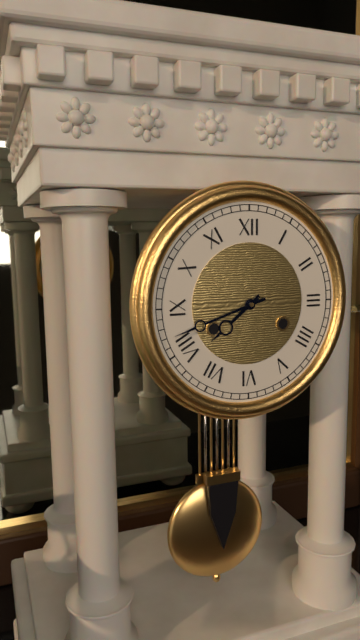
7:42
